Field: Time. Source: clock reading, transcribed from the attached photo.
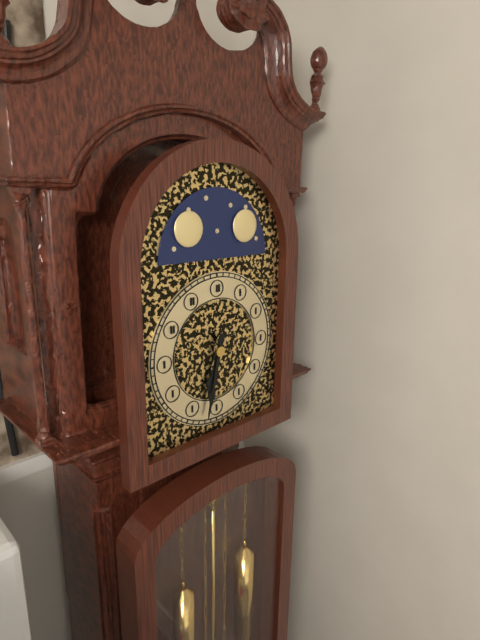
6:32
